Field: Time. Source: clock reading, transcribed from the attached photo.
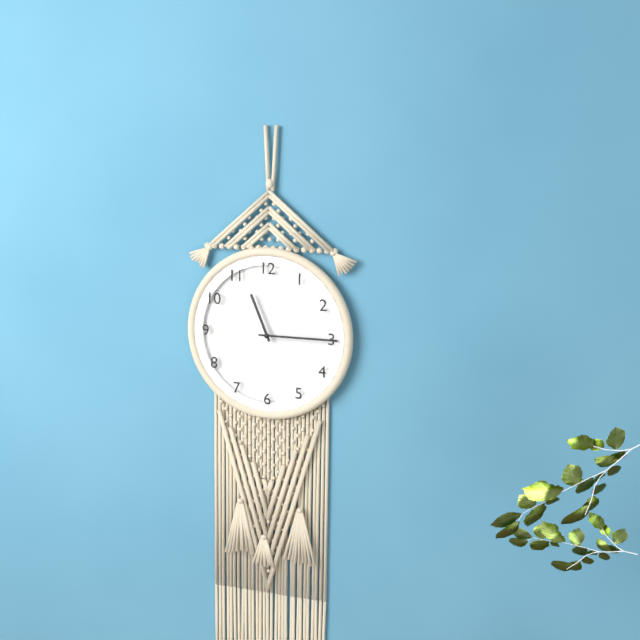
11:15
